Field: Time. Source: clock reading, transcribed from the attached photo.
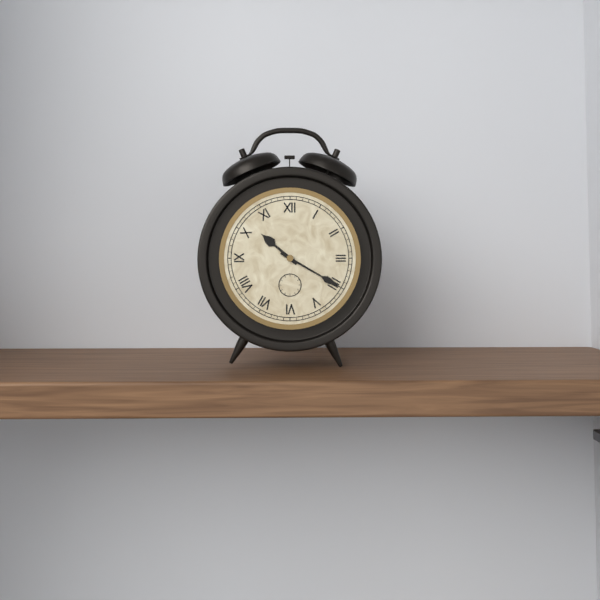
10:20
